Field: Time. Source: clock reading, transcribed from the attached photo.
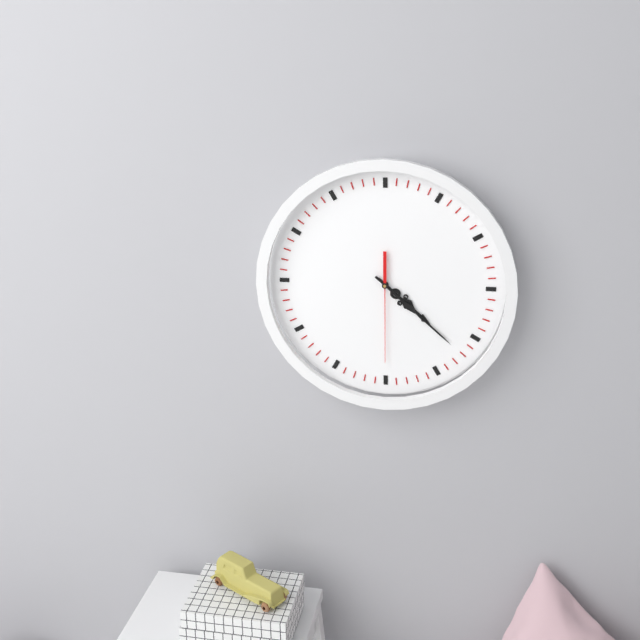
4:22:30
